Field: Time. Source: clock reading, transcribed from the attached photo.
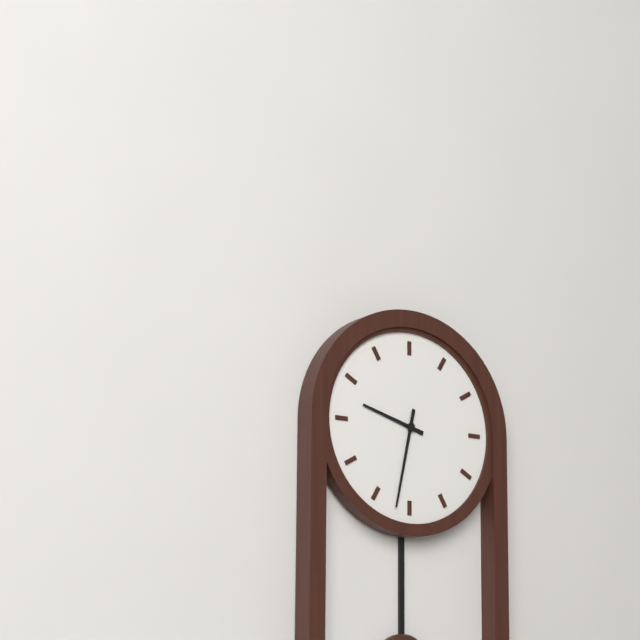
9:32
